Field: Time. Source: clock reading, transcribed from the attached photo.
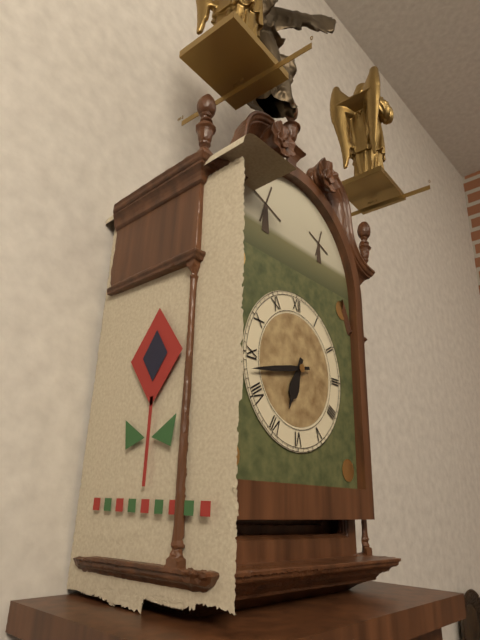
6:43
